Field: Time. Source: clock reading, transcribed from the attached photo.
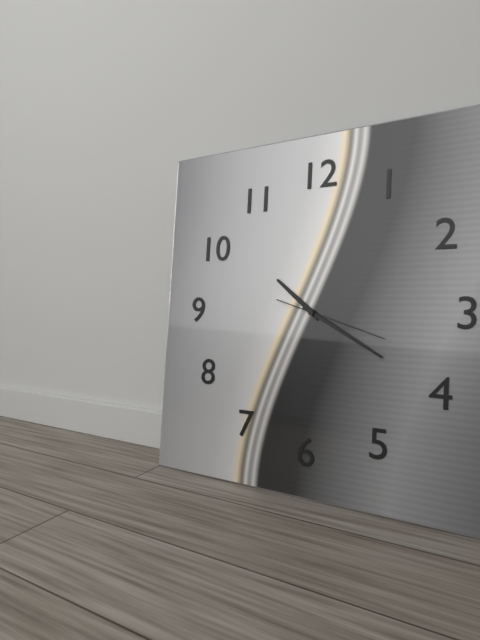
10:20:18
